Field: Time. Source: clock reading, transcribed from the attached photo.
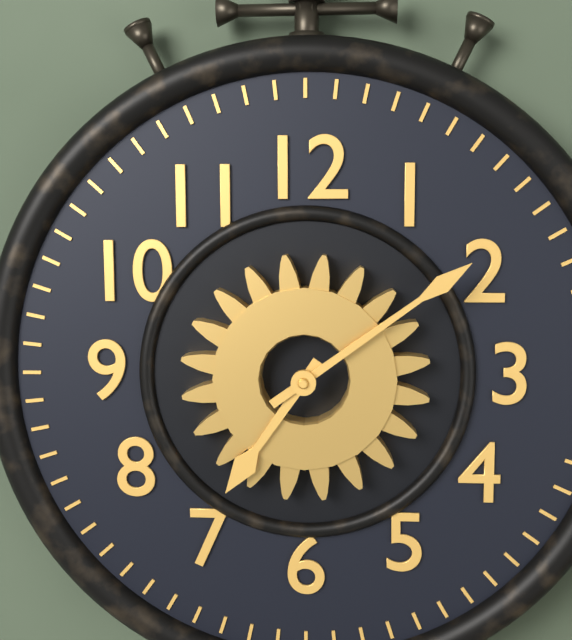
7:09
